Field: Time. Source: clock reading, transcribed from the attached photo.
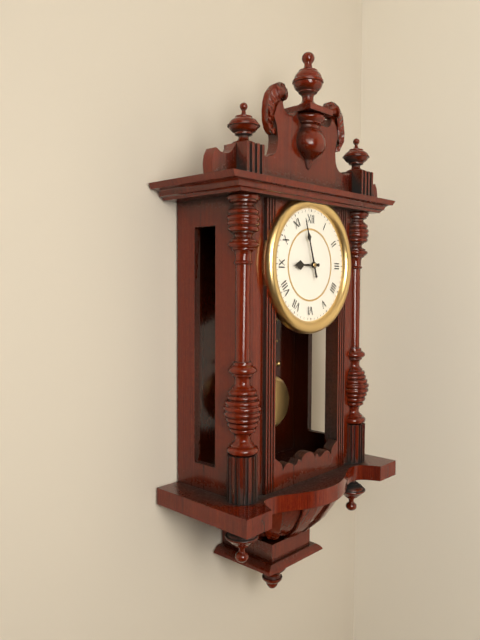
8:57
